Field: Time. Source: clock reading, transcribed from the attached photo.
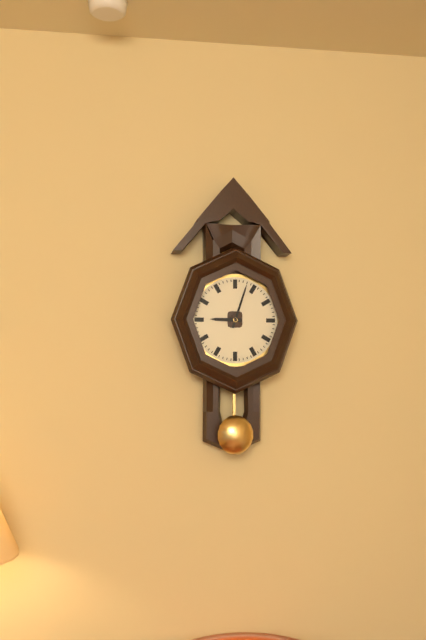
9:03
